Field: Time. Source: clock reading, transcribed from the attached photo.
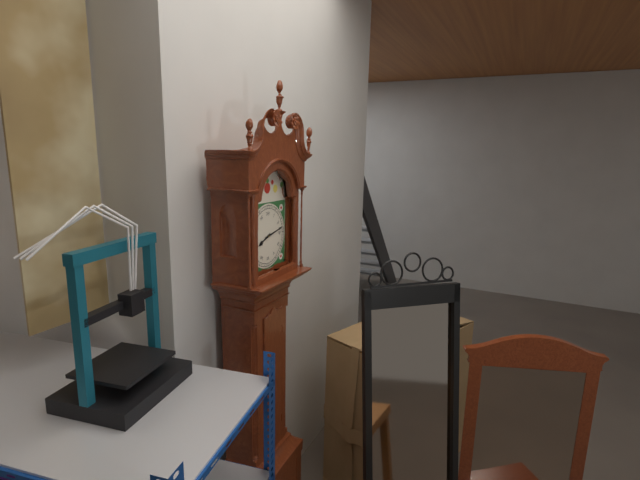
8:13
